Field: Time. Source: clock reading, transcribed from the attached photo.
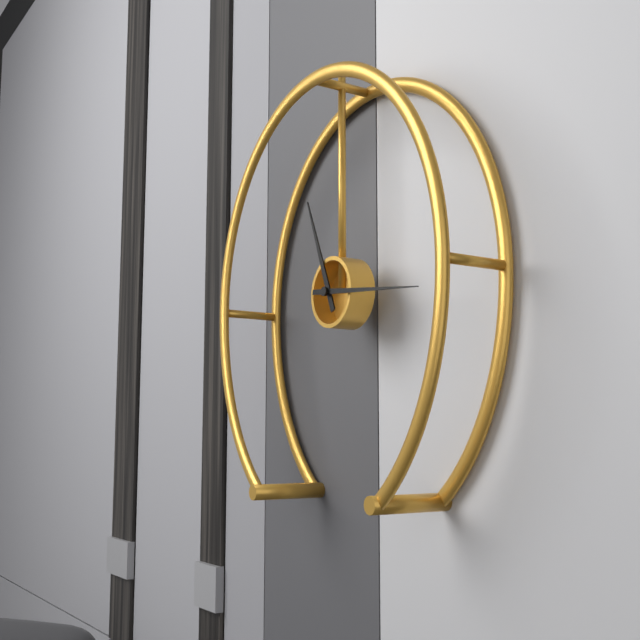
11:16
